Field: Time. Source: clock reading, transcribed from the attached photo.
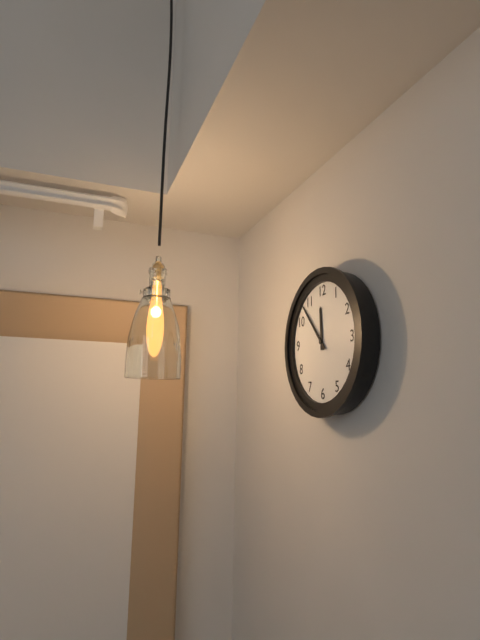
11:53
